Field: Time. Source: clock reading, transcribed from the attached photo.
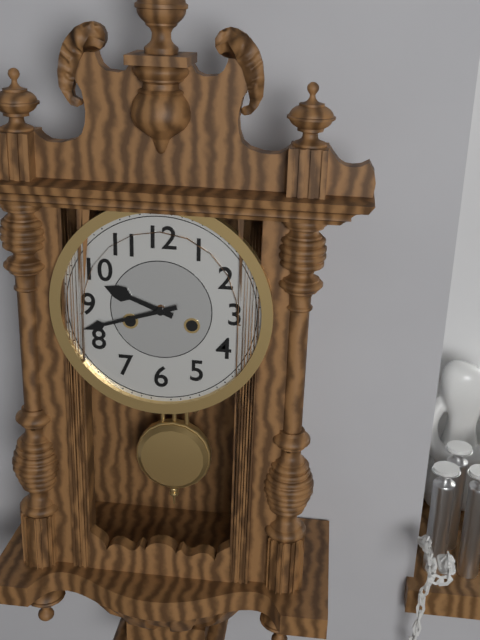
9:42
